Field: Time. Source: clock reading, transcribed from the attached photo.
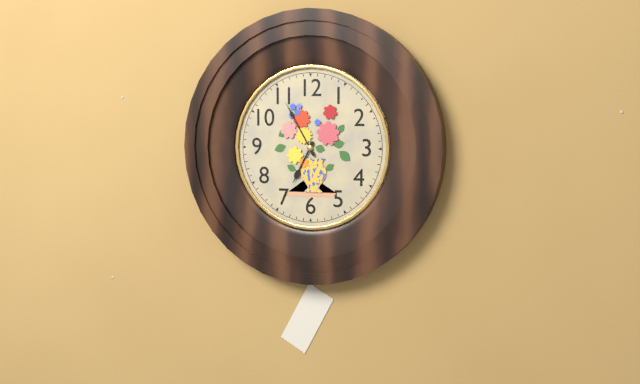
6:55
